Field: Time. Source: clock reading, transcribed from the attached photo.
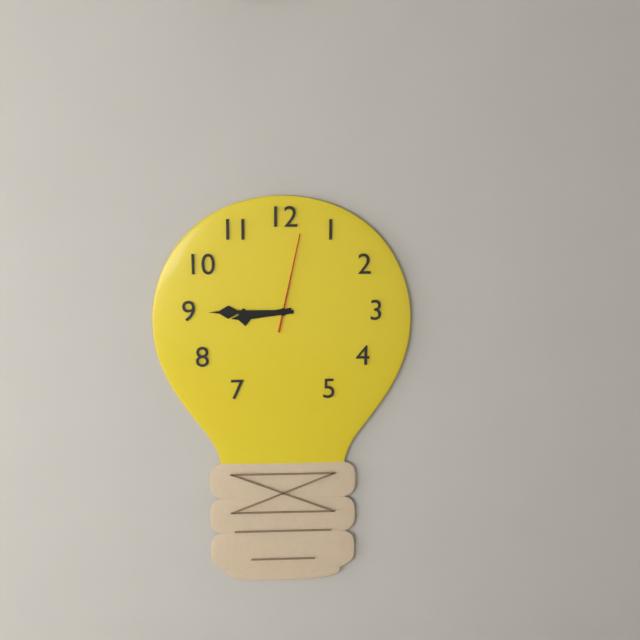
8:45:02
